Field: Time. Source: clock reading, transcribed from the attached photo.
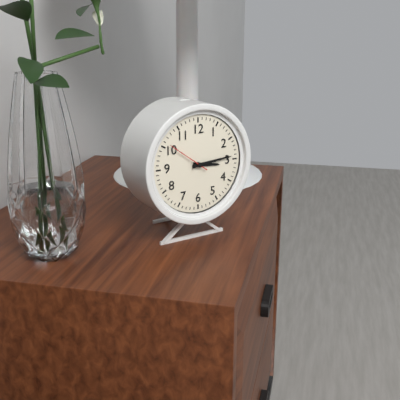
3:14
